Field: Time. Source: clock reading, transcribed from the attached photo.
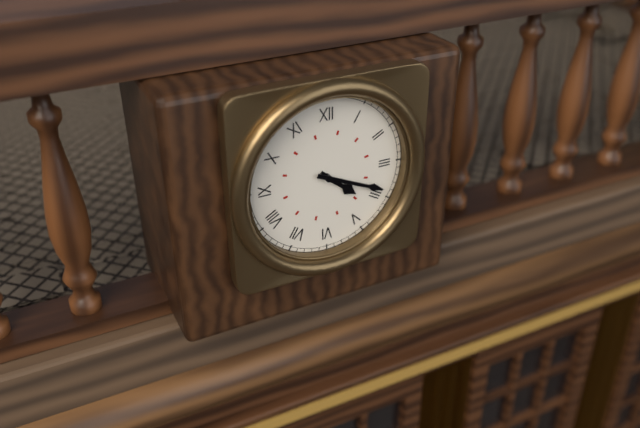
4:19
